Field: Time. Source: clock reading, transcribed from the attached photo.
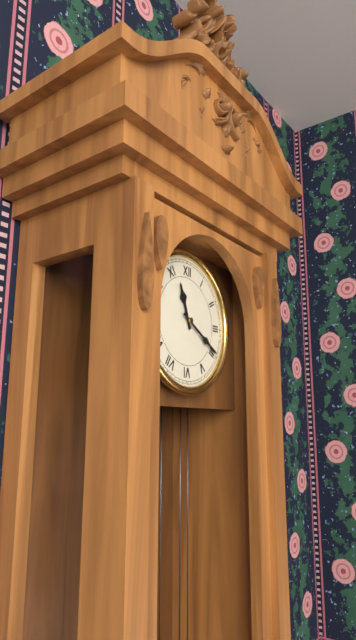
11:20
